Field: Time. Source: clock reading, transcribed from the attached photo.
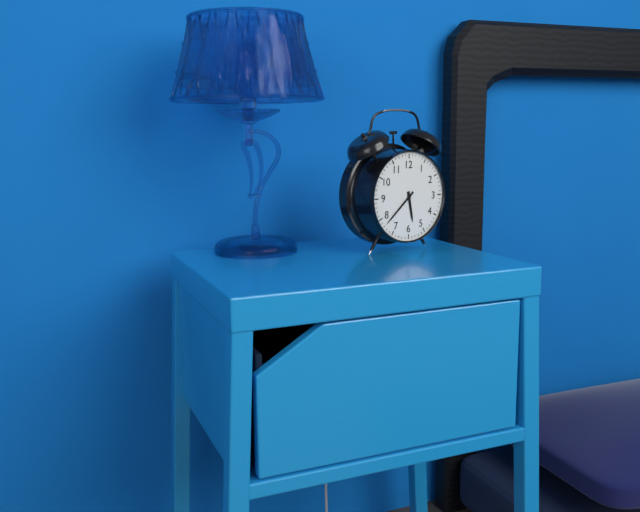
5:38
